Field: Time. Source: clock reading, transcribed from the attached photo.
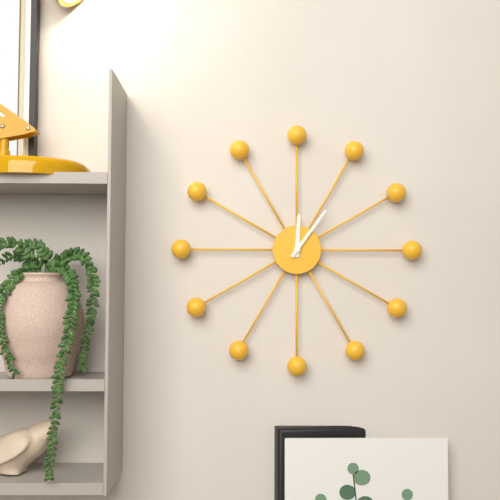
12:06
